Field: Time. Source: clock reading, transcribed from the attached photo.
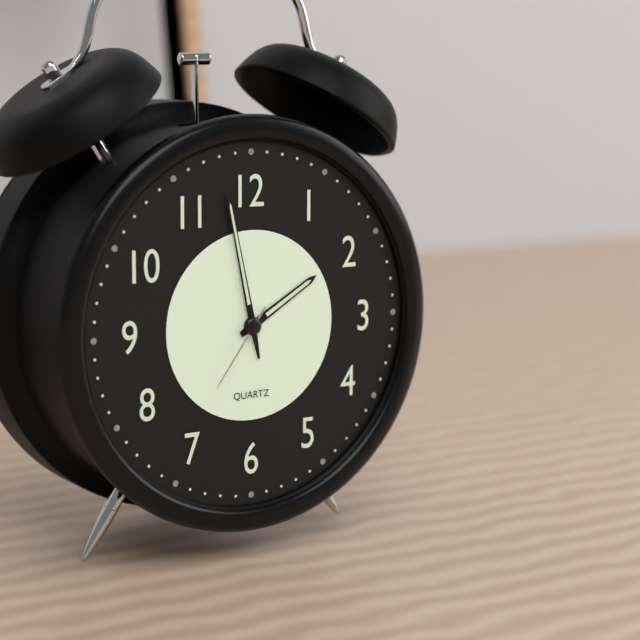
1:58:36
